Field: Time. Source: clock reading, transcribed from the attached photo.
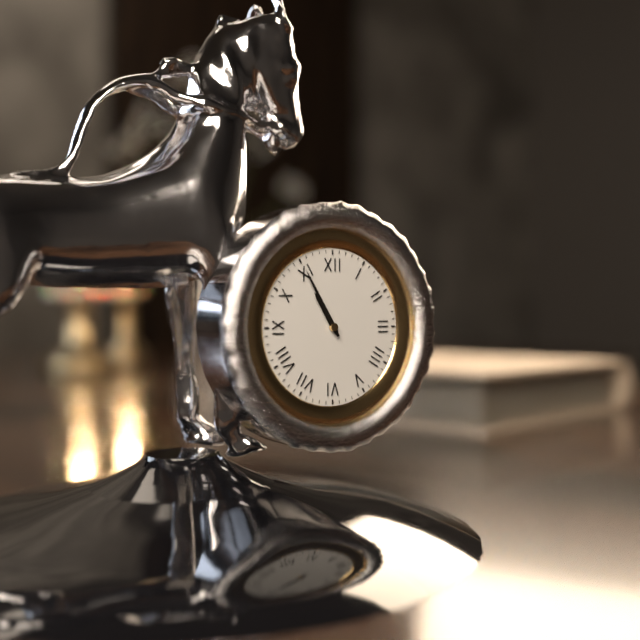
10:55
